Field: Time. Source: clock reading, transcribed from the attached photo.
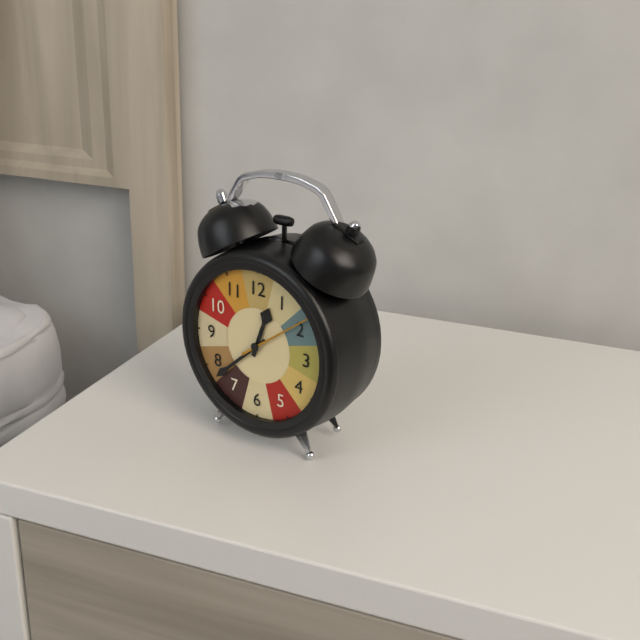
12:38:09
